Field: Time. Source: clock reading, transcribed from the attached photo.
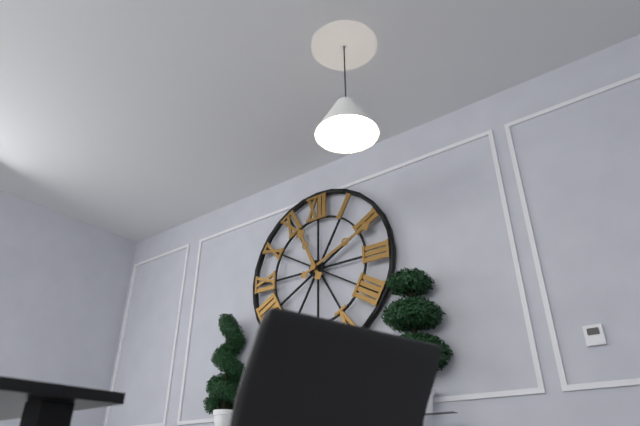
11:11
